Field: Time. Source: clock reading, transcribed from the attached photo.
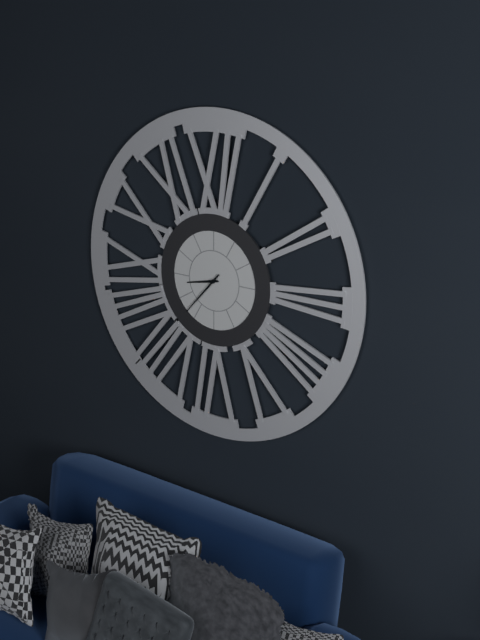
8:37
